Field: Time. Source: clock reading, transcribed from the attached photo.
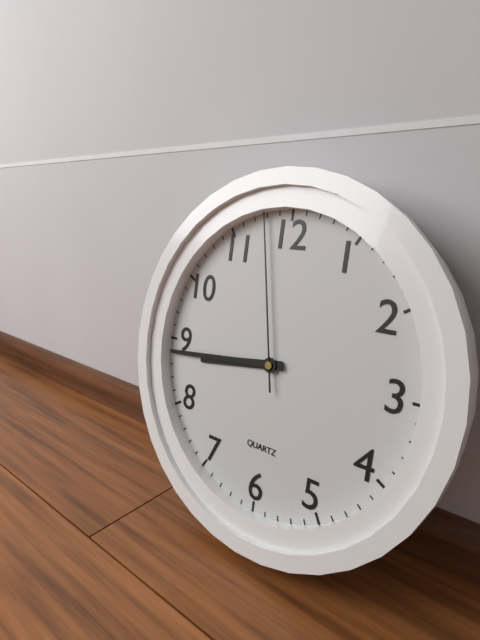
8:44:58
